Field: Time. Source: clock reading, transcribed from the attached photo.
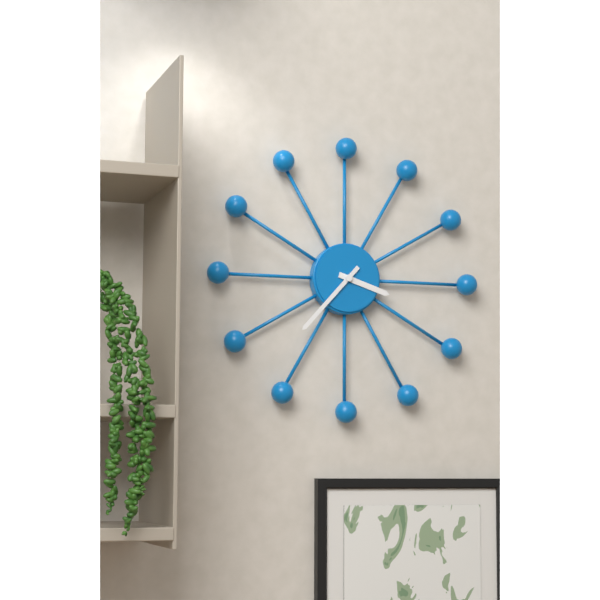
3:37
